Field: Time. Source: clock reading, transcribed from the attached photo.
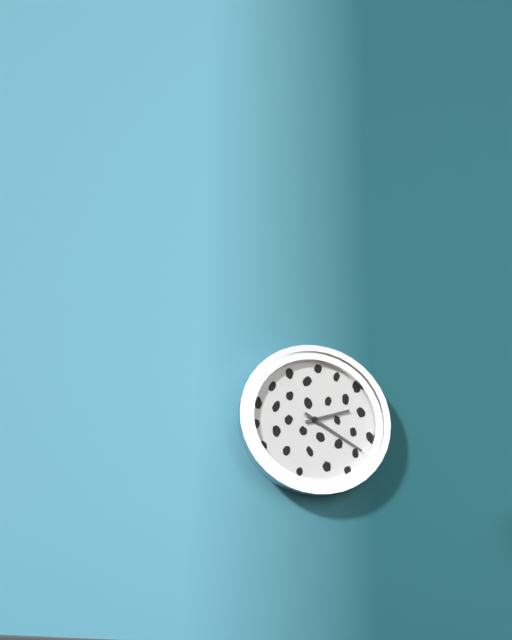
2:20
